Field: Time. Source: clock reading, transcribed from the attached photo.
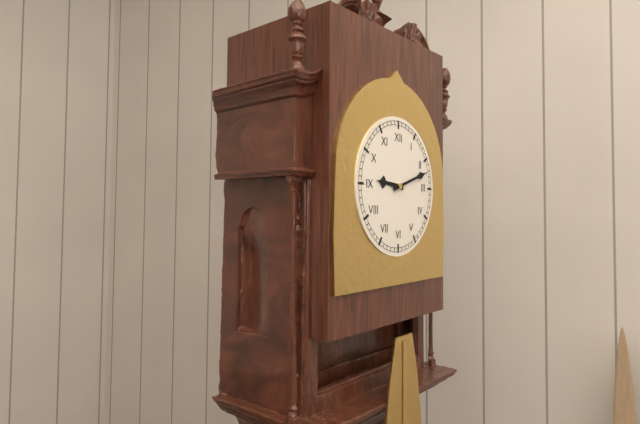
9:12
